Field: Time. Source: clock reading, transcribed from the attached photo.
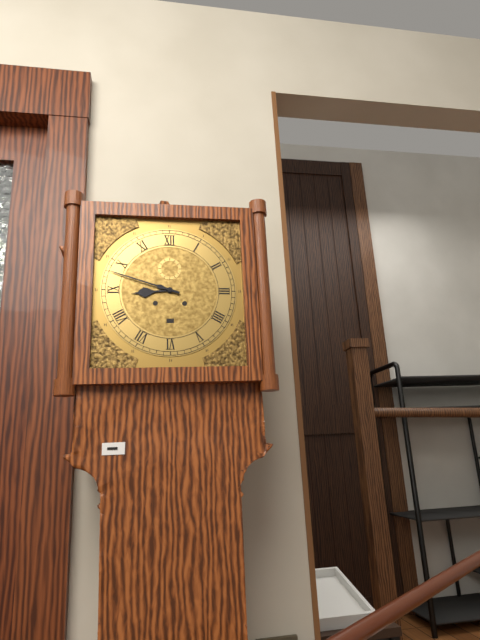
8:48
